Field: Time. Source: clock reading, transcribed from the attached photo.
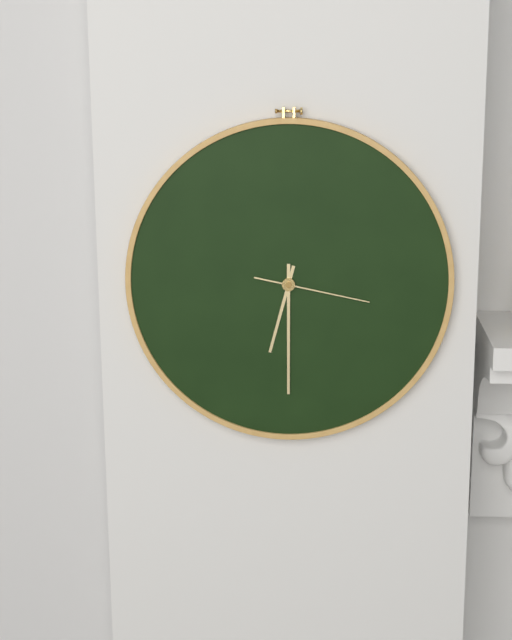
6:30:17
